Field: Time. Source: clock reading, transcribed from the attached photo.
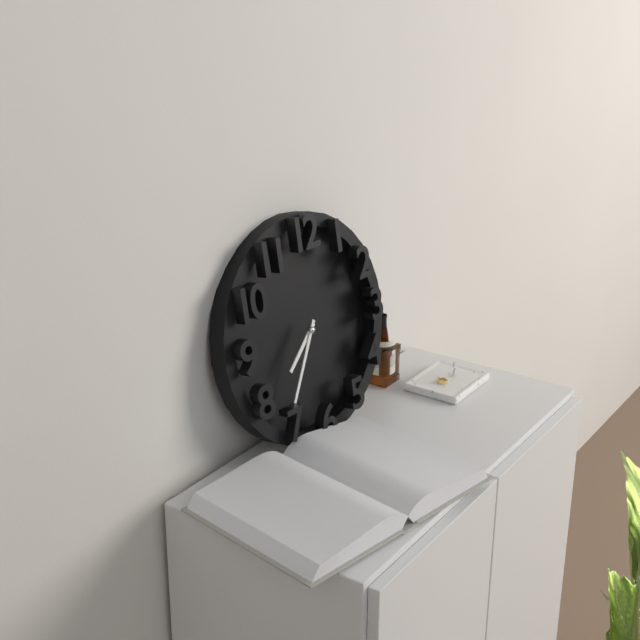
7:35
